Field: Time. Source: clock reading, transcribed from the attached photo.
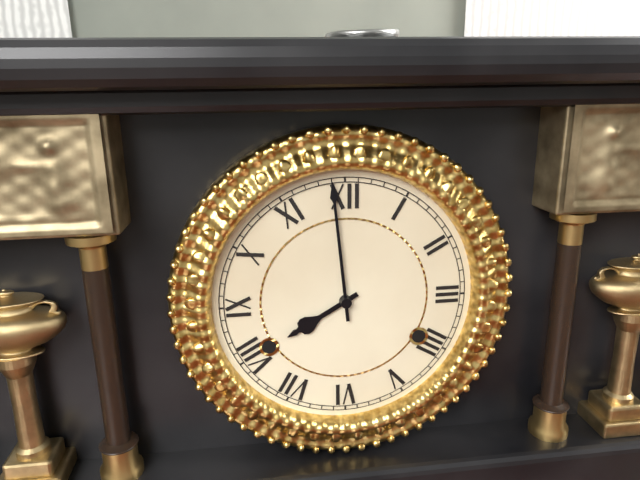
7:59
